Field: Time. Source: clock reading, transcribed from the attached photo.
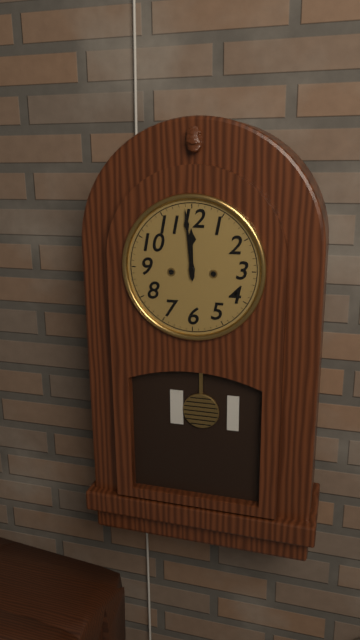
11:59
